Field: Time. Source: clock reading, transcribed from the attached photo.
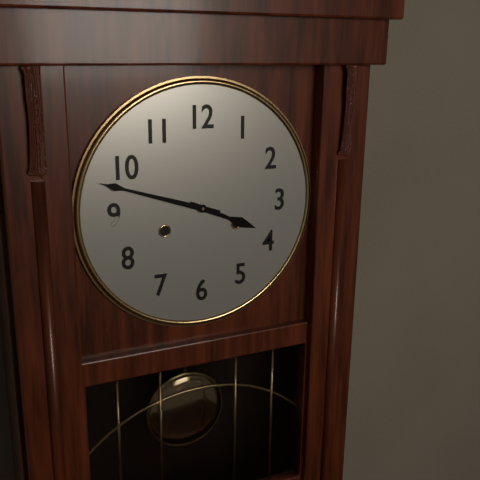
3:48
